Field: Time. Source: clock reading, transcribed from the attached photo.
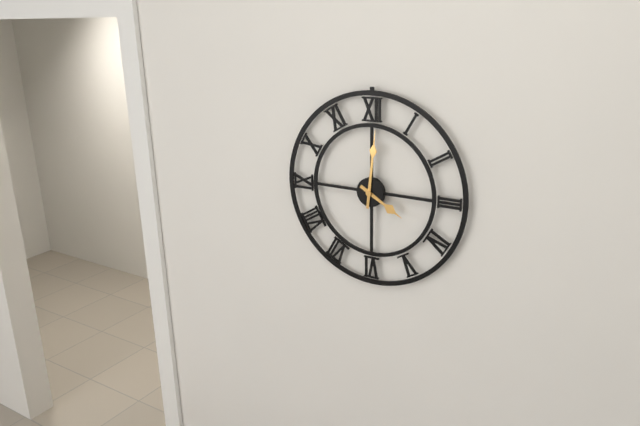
4:01
